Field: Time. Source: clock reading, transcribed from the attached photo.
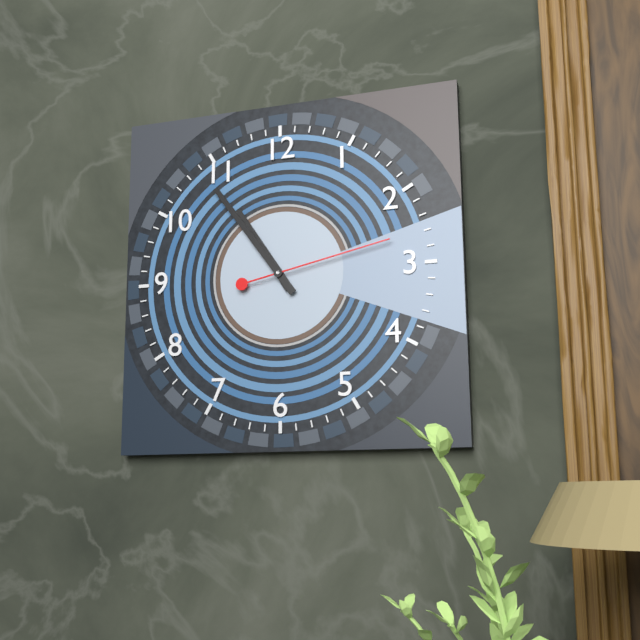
10:54:13
